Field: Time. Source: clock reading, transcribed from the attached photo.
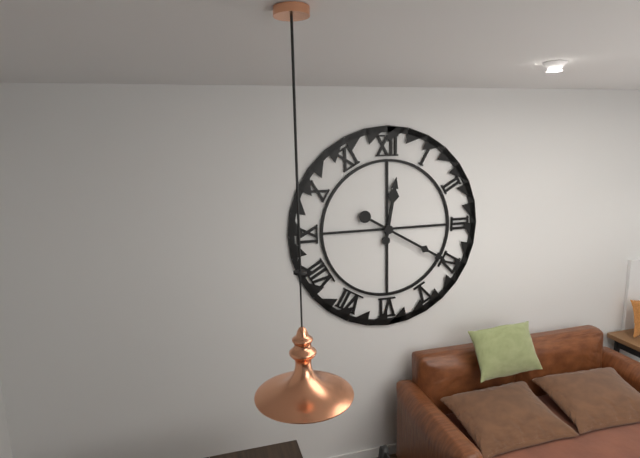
12:20
